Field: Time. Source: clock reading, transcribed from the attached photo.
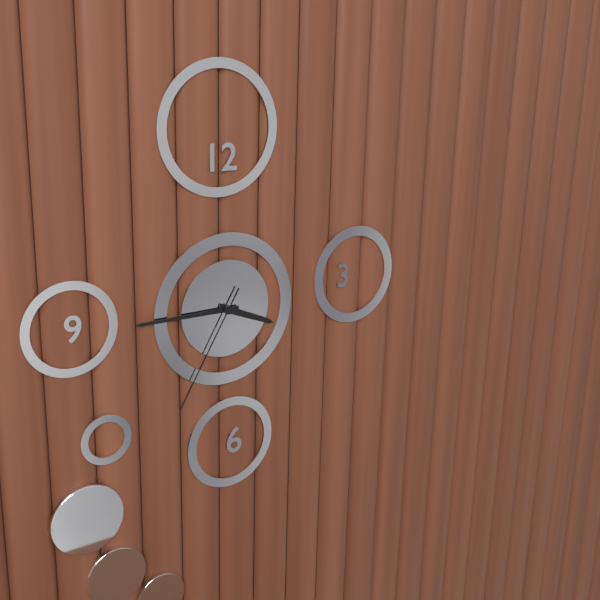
3:45:35
